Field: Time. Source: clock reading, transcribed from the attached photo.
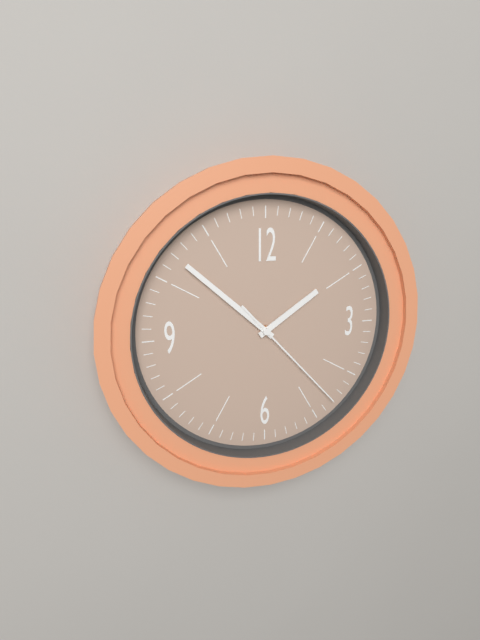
1:52:23
